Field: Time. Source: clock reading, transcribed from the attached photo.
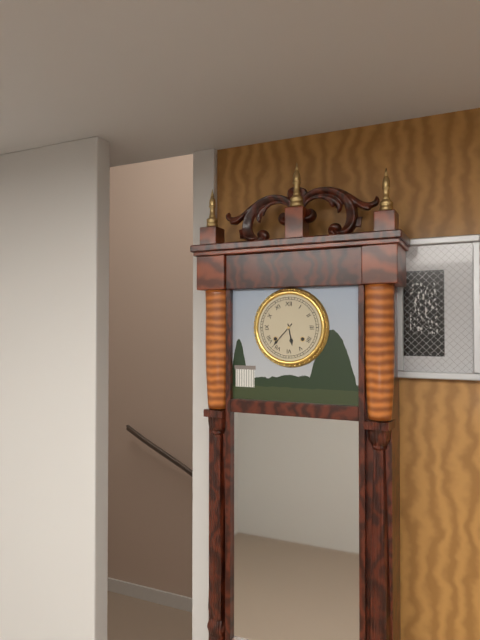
5:37
